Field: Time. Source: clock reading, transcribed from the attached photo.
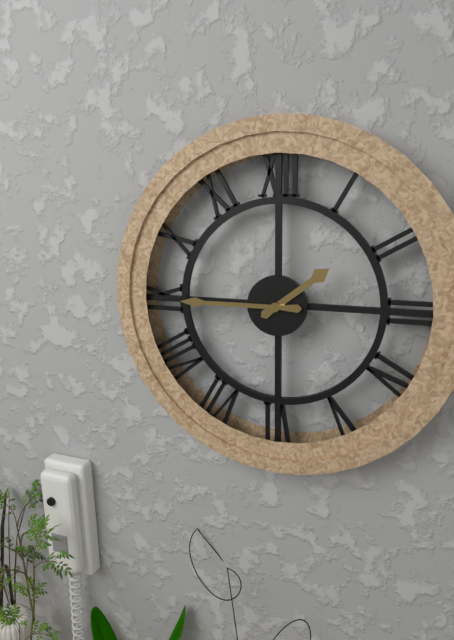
1:45
